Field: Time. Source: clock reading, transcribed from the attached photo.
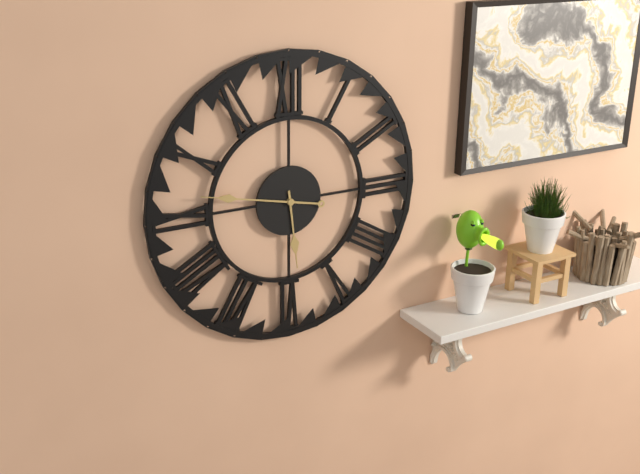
5:47
